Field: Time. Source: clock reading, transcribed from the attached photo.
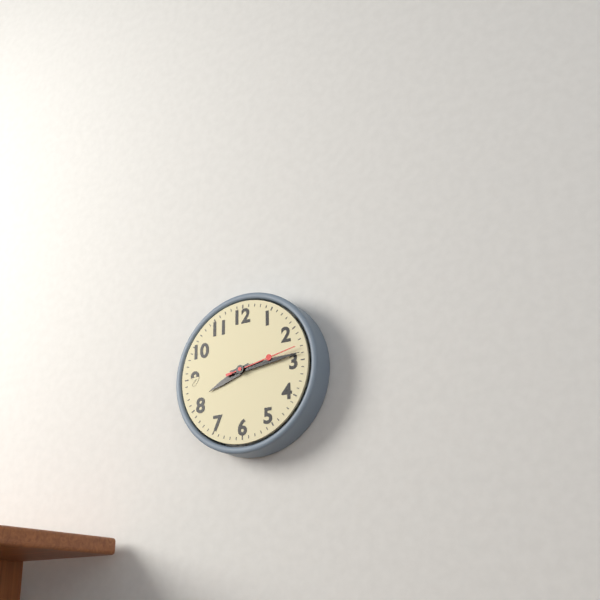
8:14:13
